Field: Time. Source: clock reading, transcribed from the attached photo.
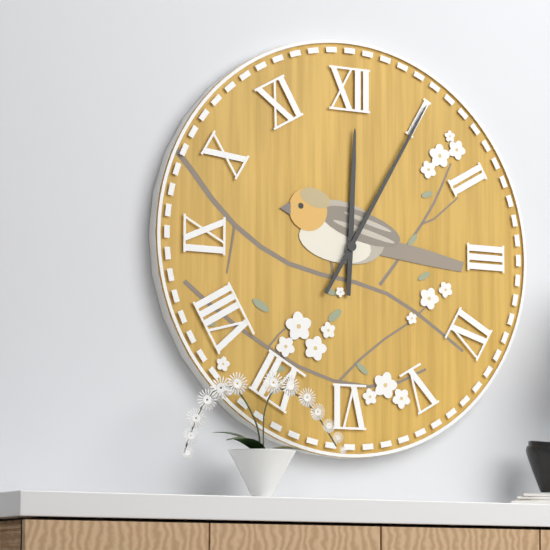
12:05
